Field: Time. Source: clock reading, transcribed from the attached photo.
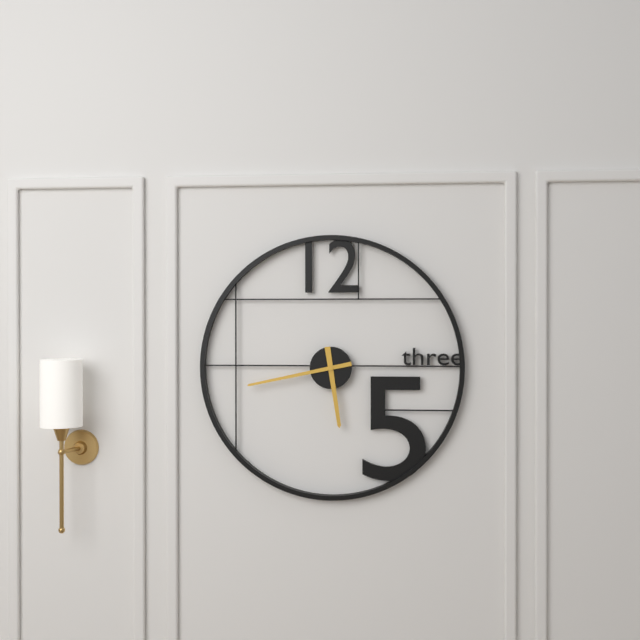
5:43
